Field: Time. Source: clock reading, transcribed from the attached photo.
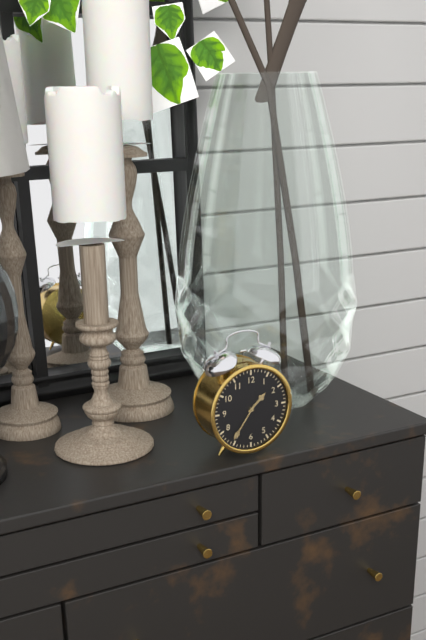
1:36
